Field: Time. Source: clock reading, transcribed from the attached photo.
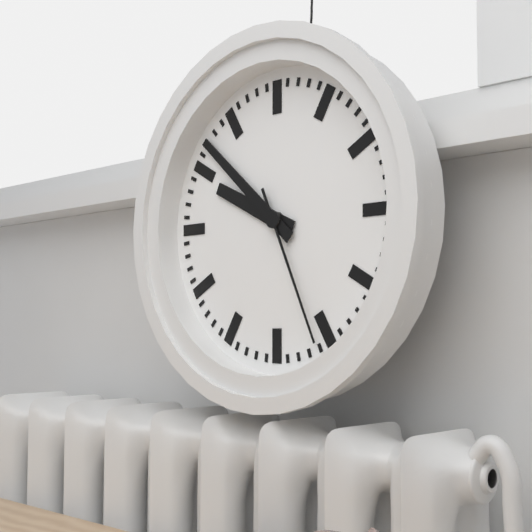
9:52:26
